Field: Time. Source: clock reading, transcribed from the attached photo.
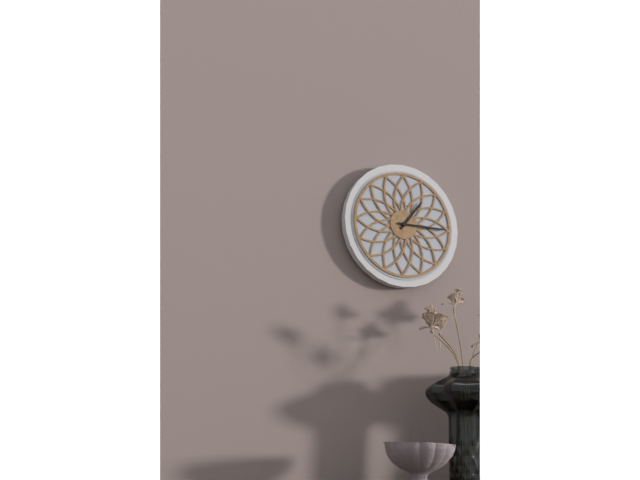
1:15
